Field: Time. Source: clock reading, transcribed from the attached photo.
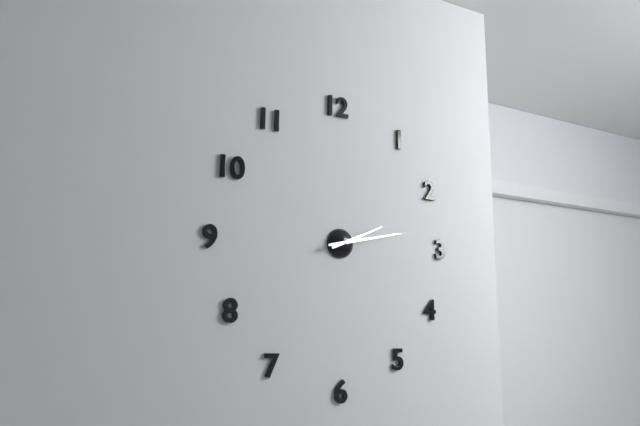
2:13
